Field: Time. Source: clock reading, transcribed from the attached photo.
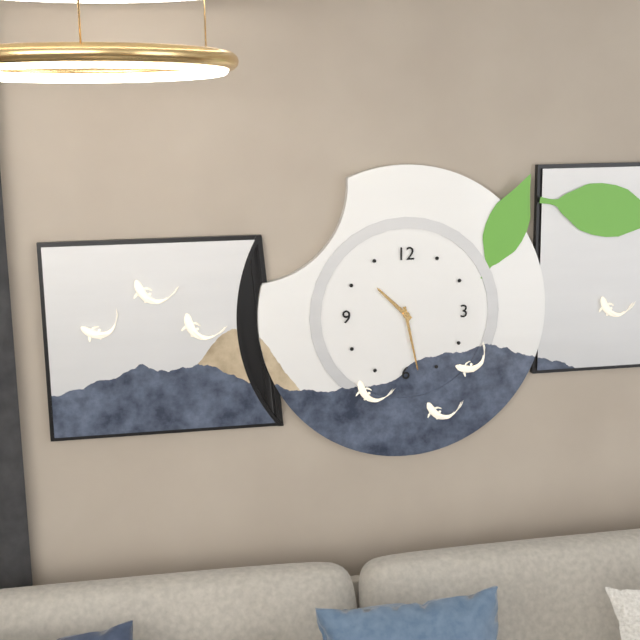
10:28
